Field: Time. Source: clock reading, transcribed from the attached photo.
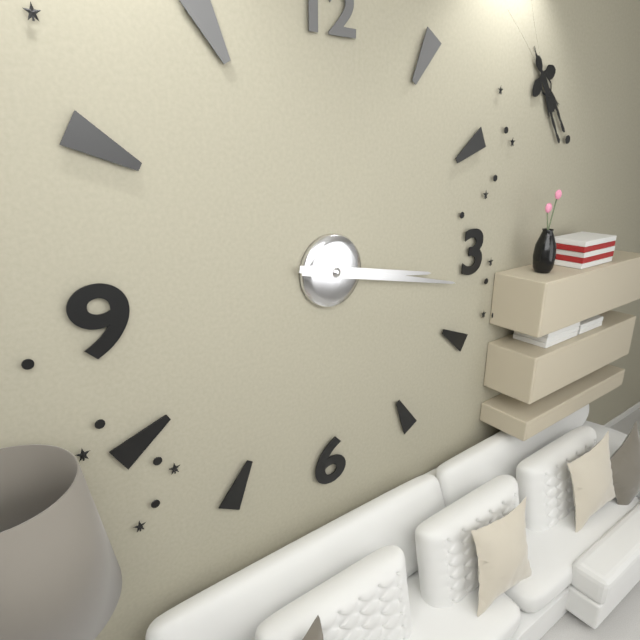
3:17
